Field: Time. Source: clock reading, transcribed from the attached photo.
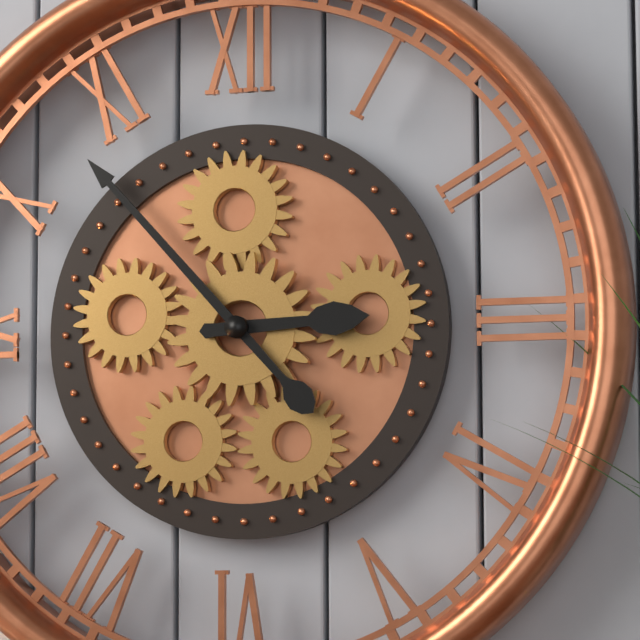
2:53
